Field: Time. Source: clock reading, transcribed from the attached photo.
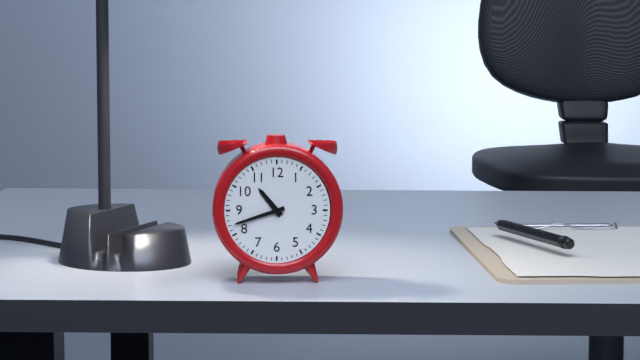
10:42
